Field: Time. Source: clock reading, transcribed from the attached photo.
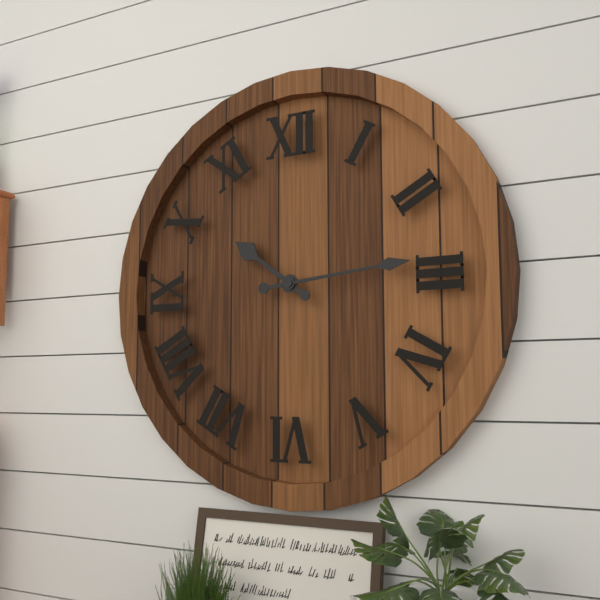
10:14
